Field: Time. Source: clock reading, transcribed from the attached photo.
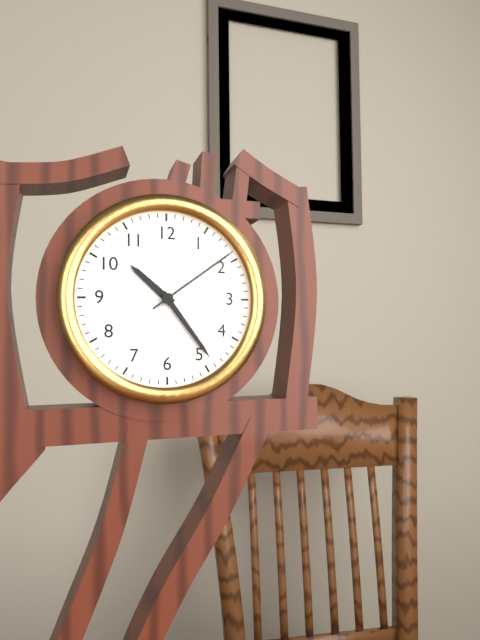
10:24:09
